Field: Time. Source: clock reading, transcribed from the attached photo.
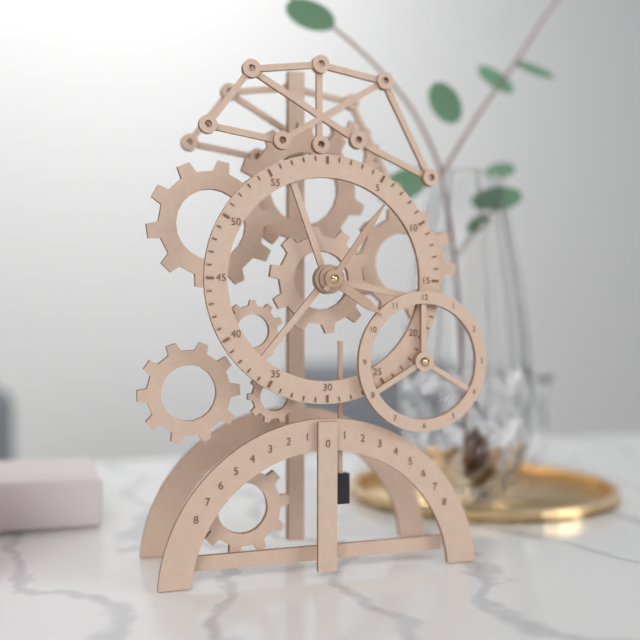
4:06
